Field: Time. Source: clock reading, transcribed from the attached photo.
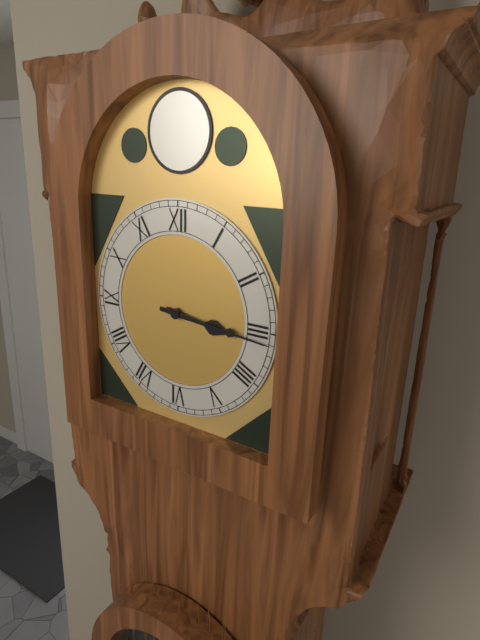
3:16
